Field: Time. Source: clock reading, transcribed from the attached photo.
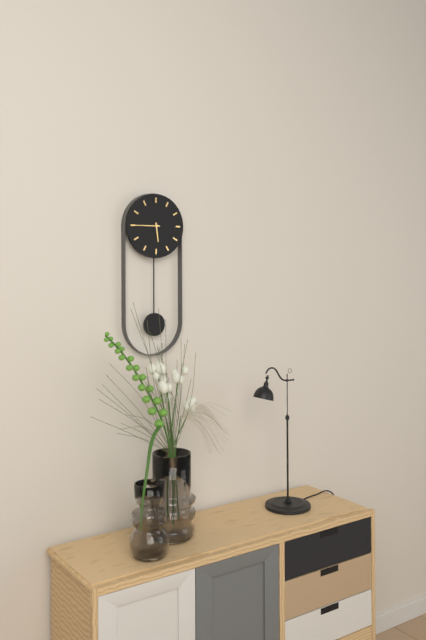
5:45
